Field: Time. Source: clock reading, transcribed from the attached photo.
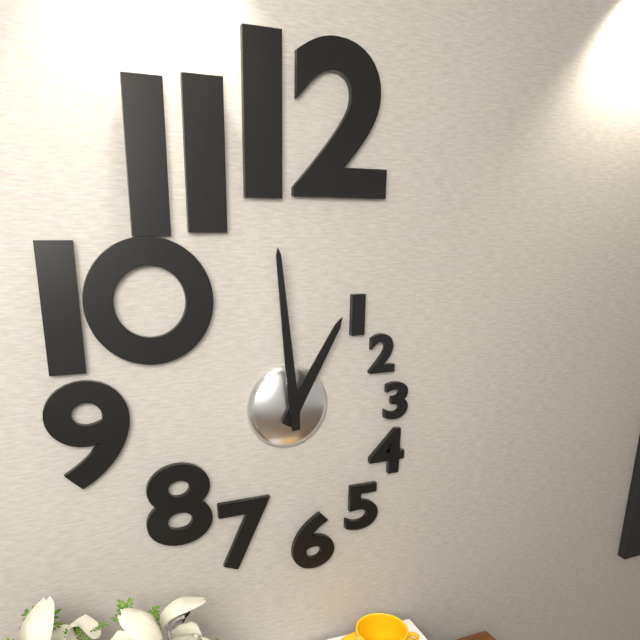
12:59
